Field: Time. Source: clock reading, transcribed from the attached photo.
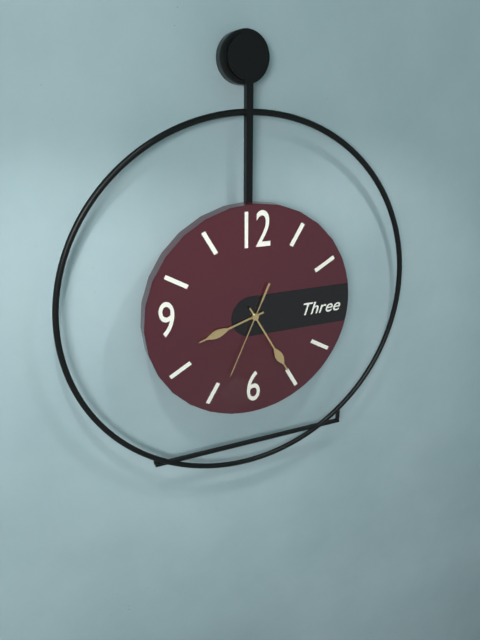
8:25:34
